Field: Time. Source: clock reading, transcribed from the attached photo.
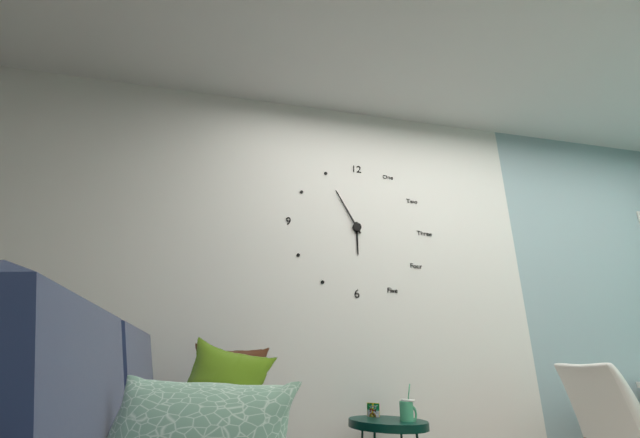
5:55
